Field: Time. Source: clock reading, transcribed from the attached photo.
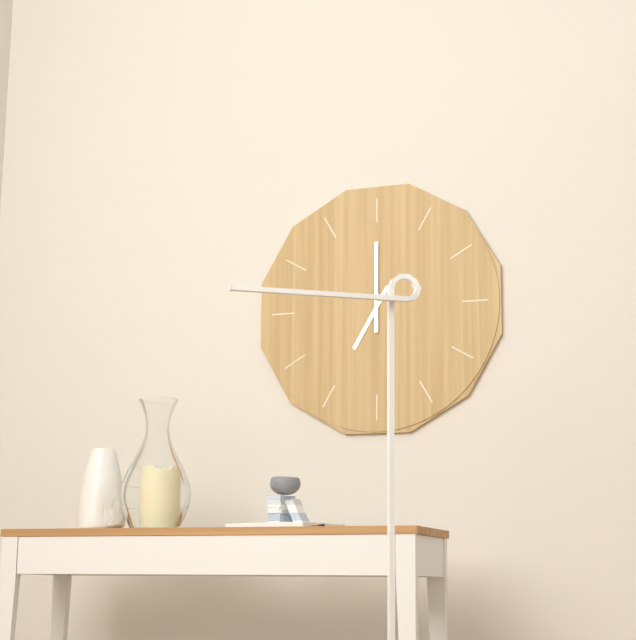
7:00
